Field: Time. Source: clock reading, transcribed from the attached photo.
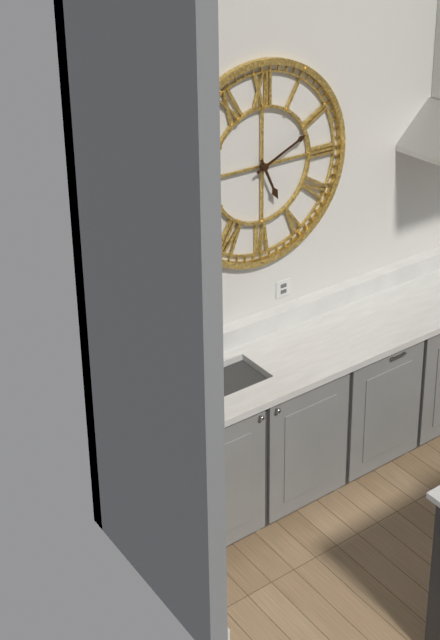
5:11
